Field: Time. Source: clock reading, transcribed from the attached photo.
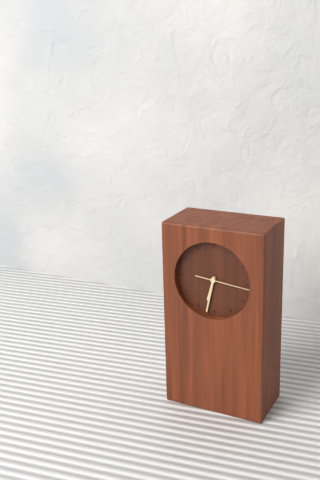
6:32
